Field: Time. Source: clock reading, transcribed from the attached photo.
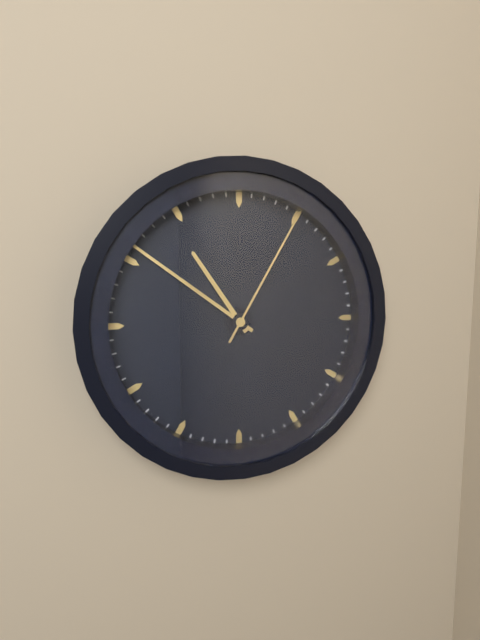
10:51:05
